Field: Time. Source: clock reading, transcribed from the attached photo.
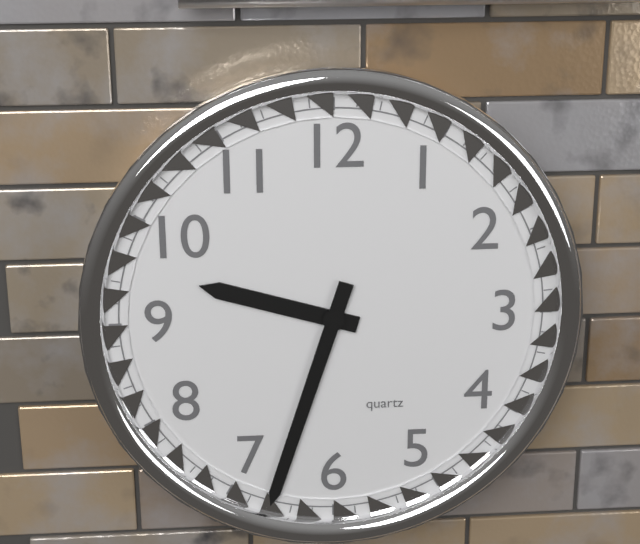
9:33
